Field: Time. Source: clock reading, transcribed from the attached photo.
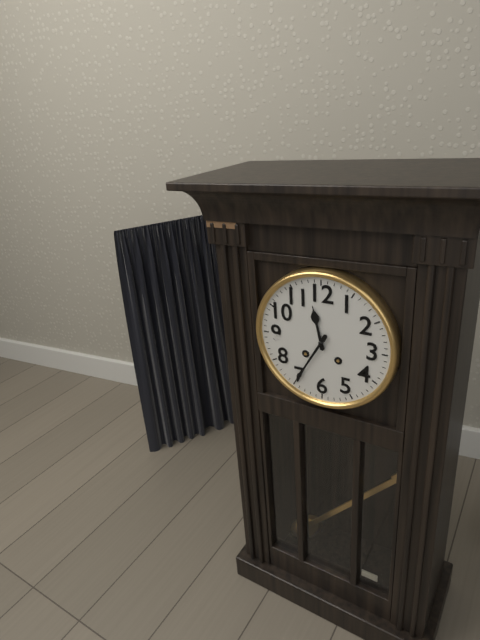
11:35
